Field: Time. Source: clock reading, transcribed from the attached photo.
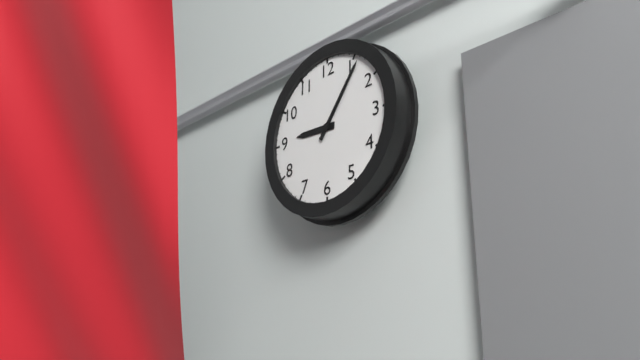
9:06
